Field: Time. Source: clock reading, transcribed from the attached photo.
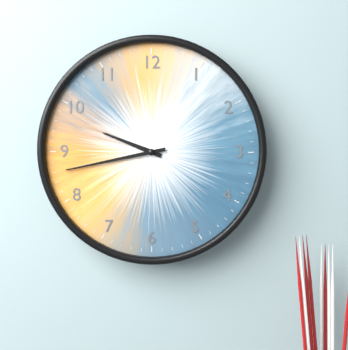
9:43
